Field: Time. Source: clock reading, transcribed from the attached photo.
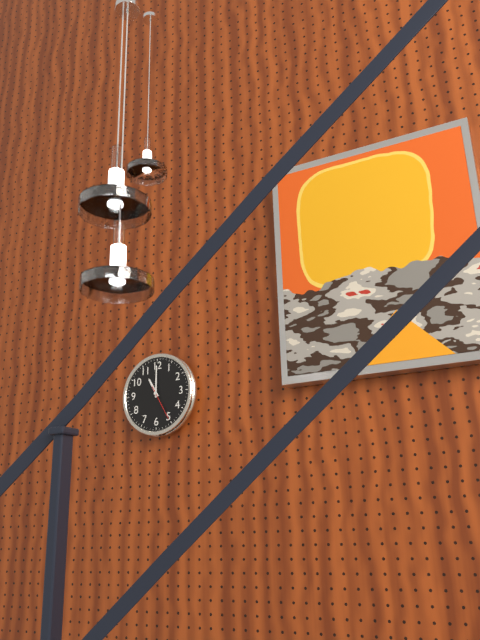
11:00
